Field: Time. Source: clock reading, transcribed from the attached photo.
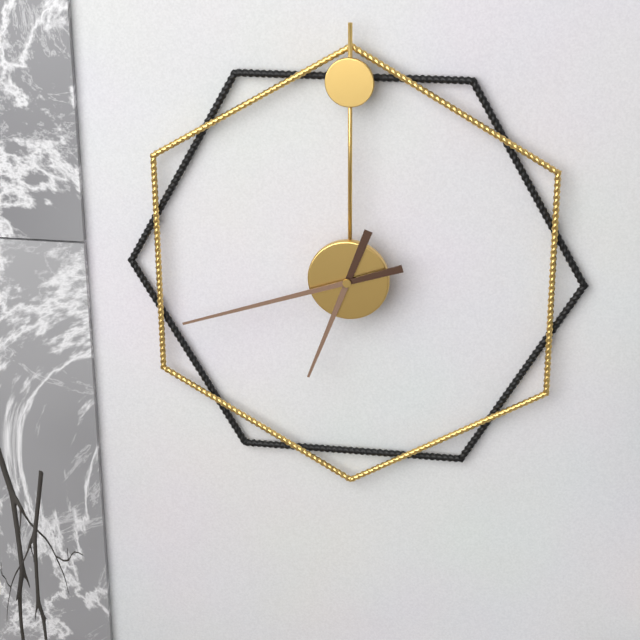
6:42
